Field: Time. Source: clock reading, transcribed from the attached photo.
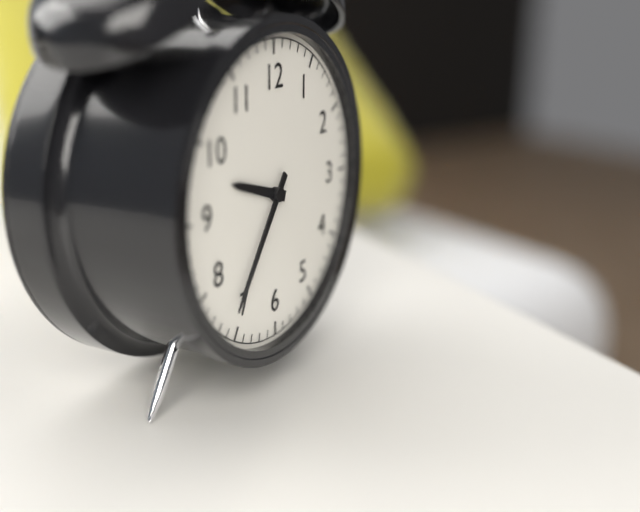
9:36
